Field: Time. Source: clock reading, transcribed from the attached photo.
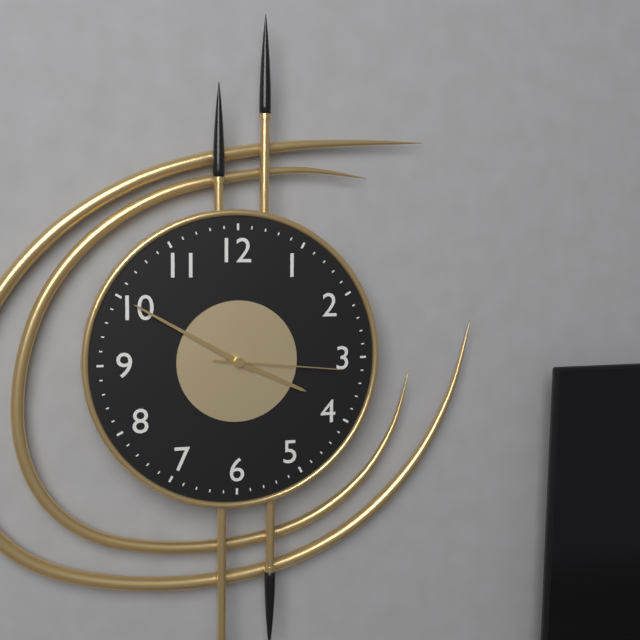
3:50:16
